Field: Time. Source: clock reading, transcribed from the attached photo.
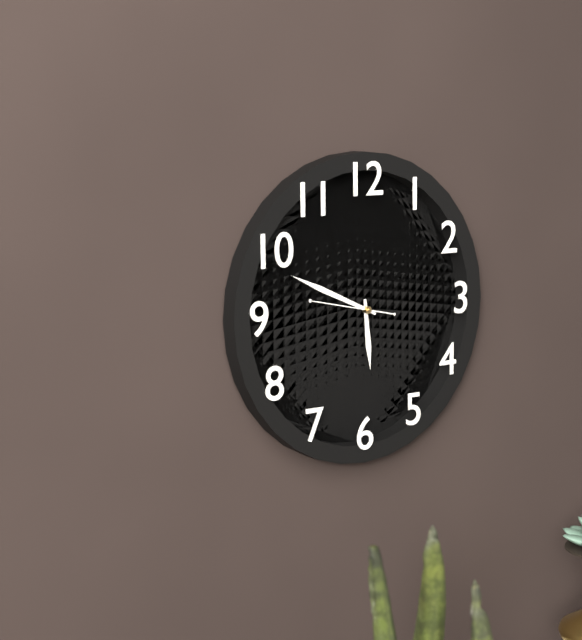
5:49:47
